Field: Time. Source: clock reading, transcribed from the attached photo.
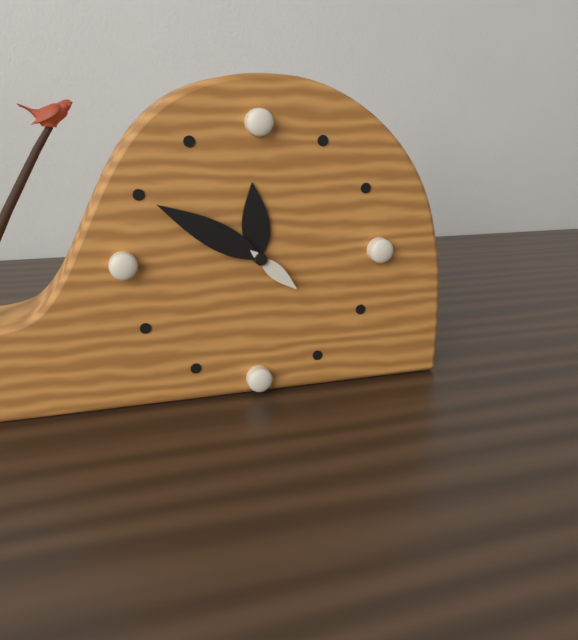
11:50:22
